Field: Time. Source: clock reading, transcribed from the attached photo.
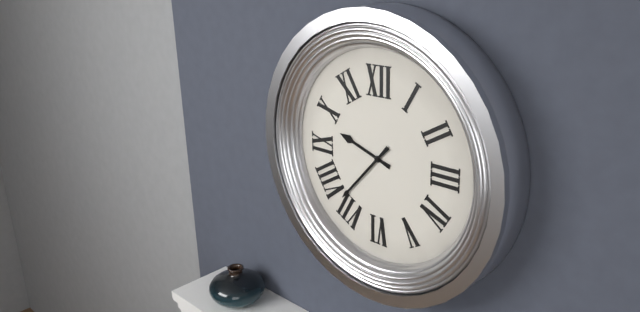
9:37
